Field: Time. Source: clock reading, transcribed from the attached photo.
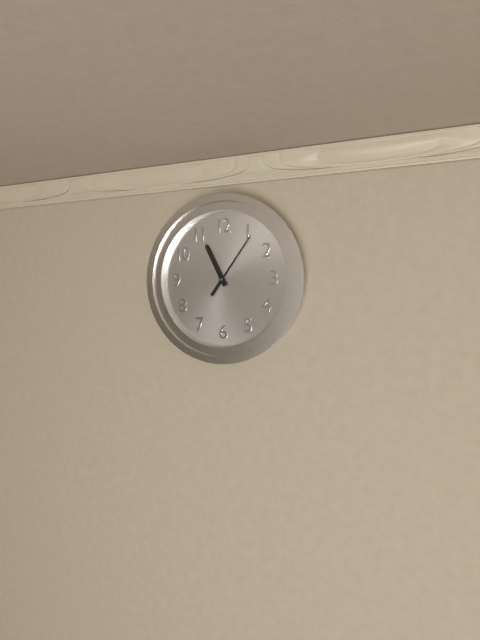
11:06
